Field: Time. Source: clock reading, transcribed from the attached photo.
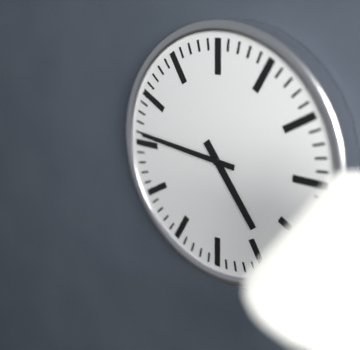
4:46
